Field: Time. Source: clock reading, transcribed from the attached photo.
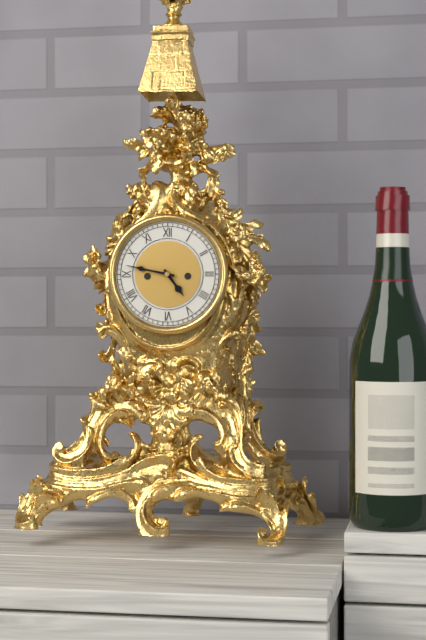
4:47
